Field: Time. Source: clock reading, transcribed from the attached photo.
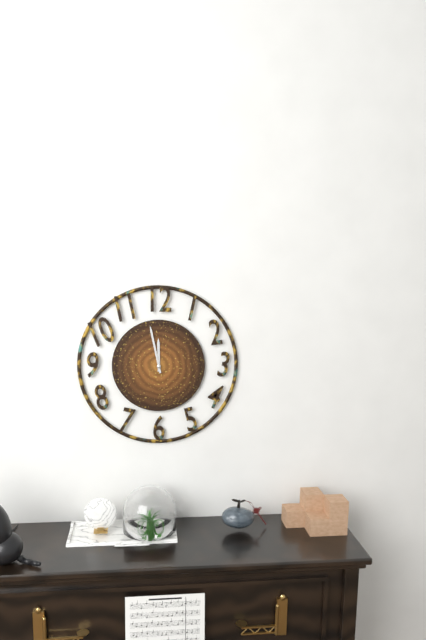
11:58
